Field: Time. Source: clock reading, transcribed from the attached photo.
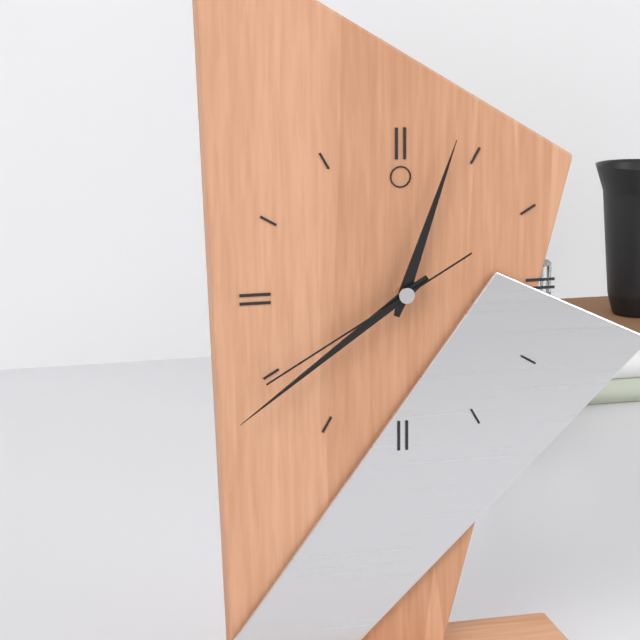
12:39:40
